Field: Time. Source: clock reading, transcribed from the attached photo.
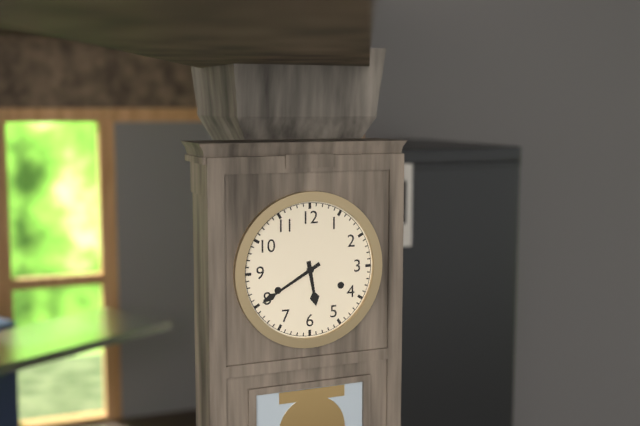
5:40
